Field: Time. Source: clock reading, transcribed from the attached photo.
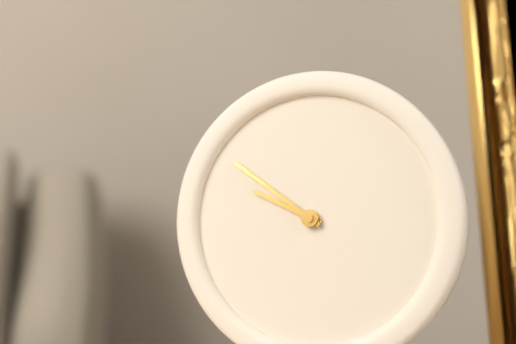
9:51
